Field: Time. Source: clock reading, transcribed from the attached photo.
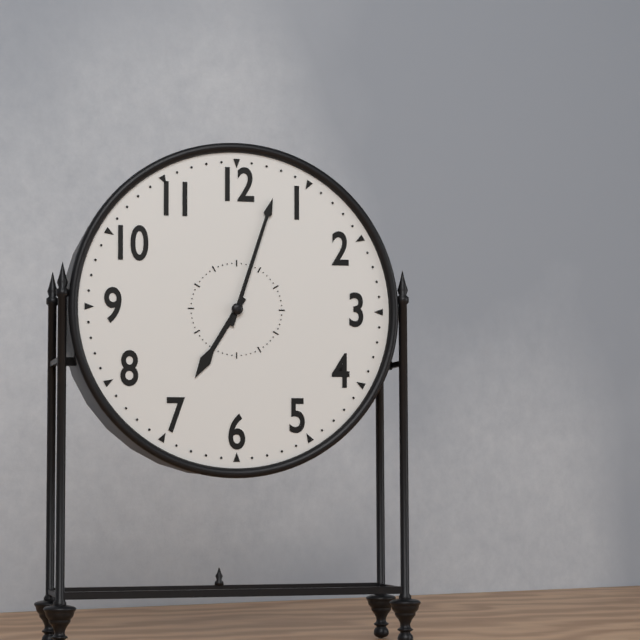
7:03
